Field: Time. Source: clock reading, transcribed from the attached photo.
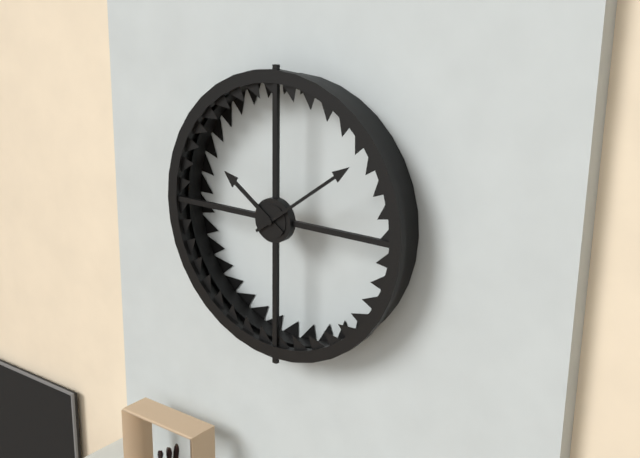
10:09
